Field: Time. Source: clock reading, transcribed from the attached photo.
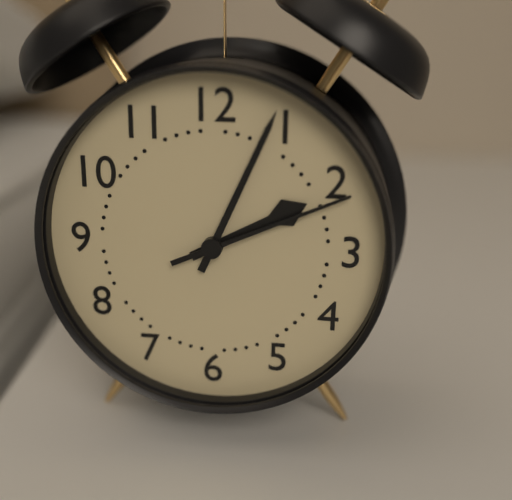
2:04:11
